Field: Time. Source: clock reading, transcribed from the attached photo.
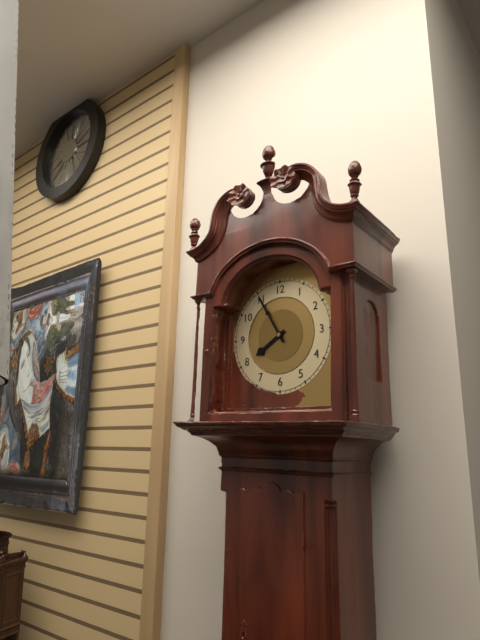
7:55
